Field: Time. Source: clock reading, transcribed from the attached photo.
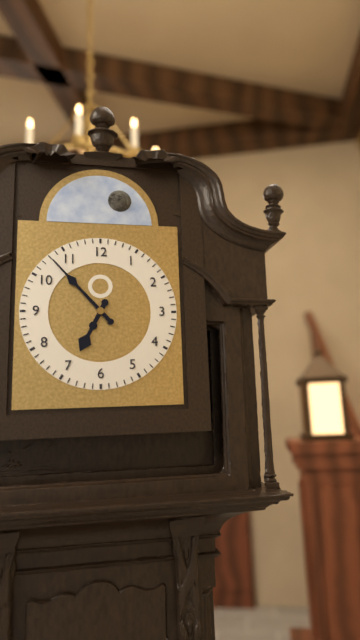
6:53
